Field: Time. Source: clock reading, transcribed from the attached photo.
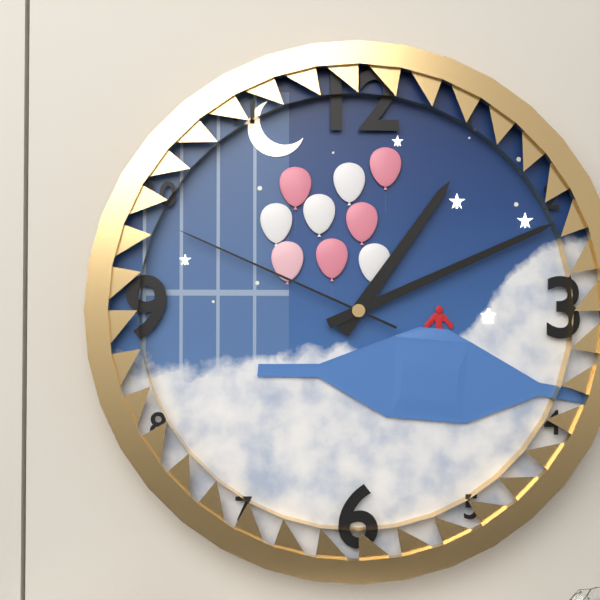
1:11:49
